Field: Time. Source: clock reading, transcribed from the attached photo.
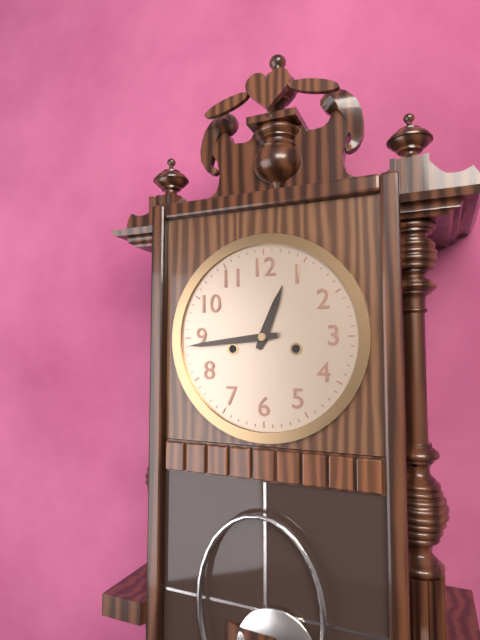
12:44
